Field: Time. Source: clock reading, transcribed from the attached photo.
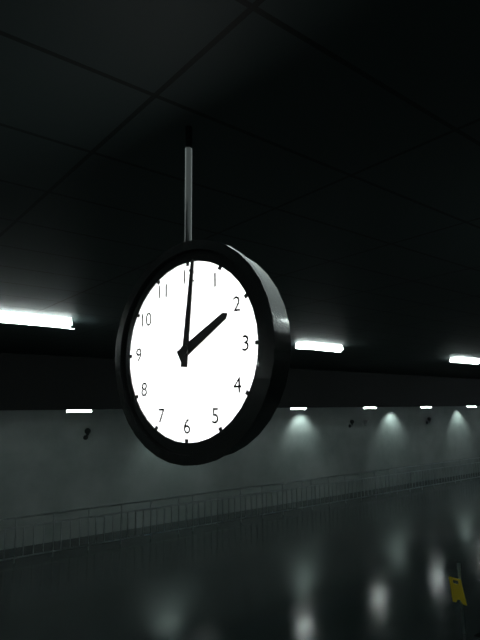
2:01
